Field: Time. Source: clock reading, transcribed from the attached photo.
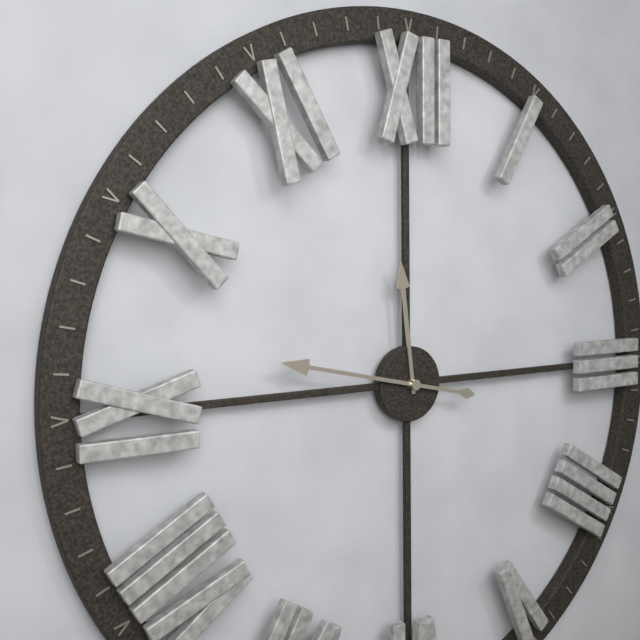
11:47
